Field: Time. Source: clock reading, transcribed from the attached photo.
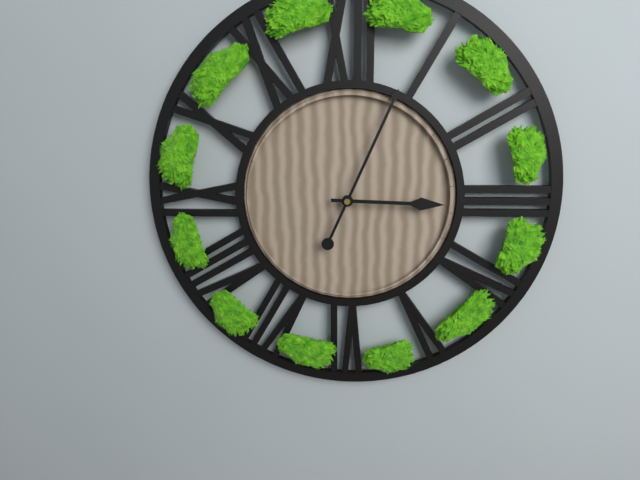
3:04
